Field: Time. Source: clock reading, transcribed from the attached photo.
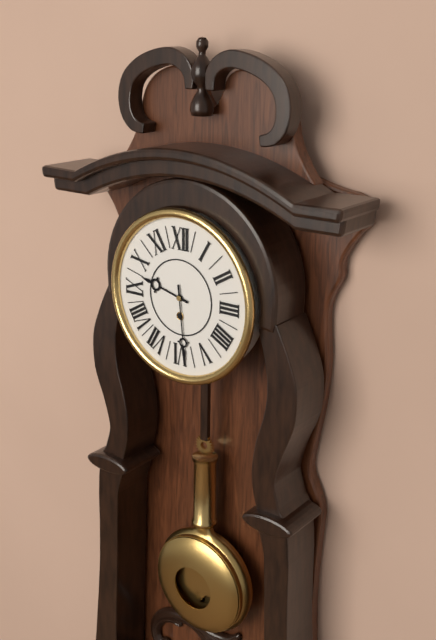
9:29
